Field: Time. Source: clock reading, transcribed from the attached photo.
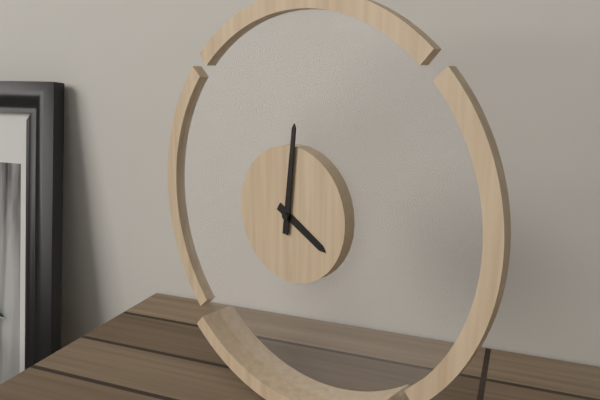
4:01
